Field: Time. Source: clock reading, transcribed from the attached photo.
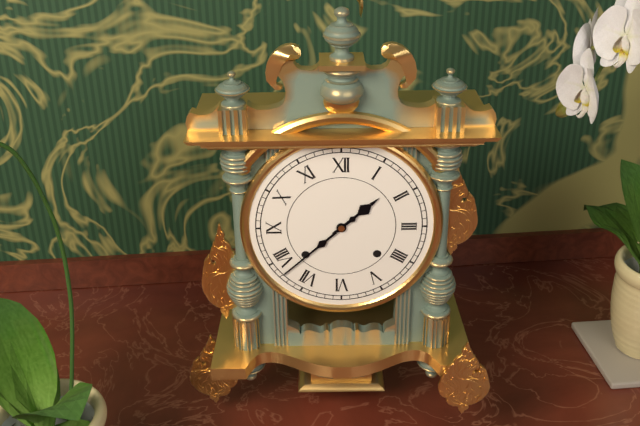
1:38
